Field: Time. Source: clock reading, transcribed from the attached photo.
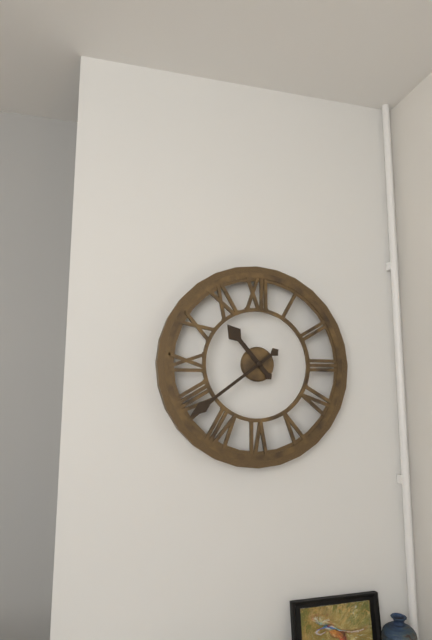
10:39
